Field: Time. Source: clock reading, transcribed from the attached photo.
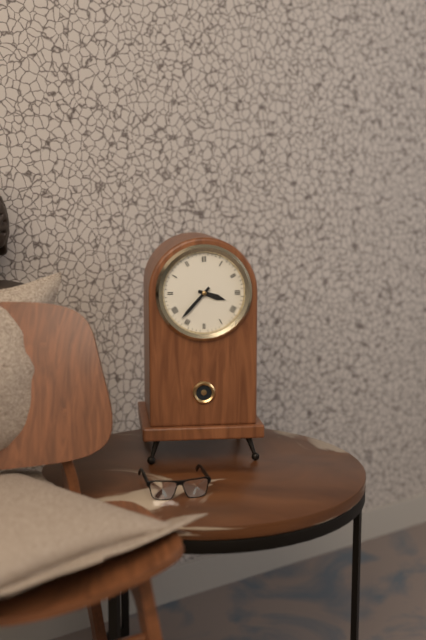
3:37
